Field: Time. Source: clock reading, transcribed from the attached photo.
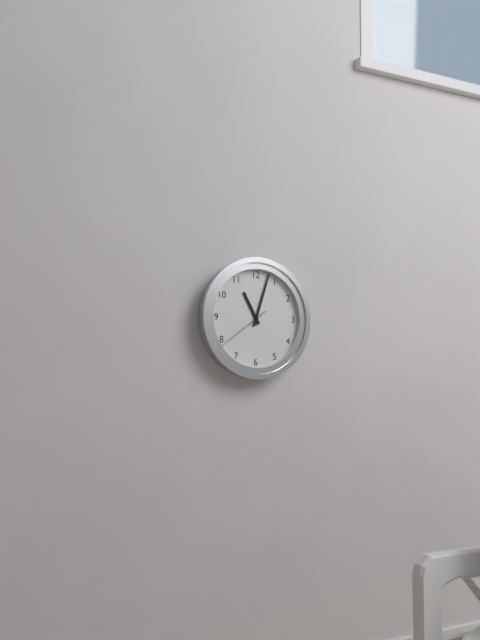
11:03:39
